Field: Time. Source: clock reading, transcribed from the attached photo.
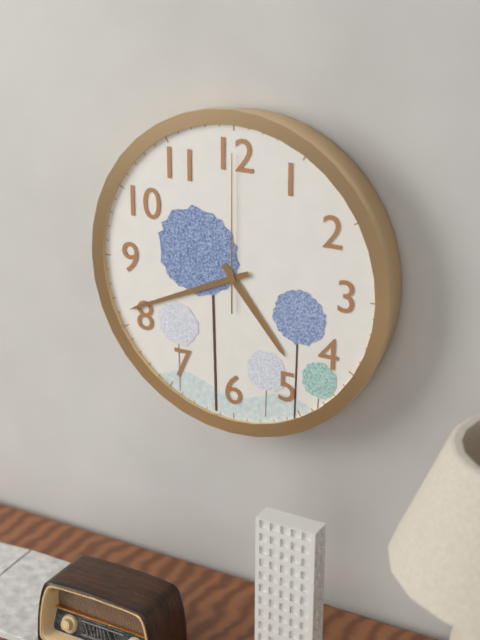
4:41:00
